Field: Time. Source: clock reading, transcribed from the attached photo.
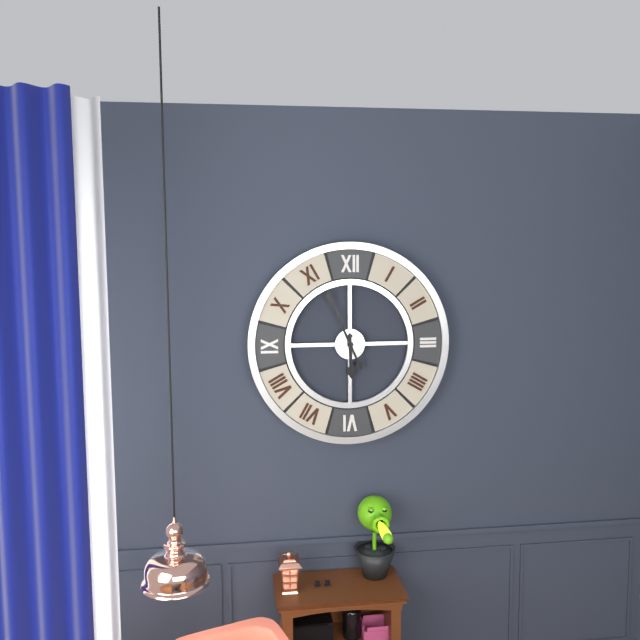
5:56
